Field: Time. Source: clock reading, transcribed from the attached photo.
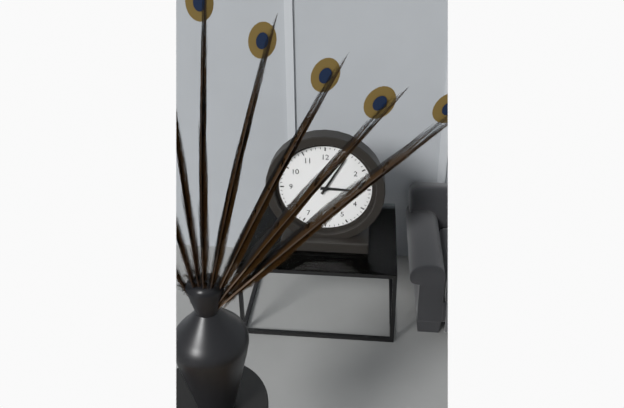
3:05
